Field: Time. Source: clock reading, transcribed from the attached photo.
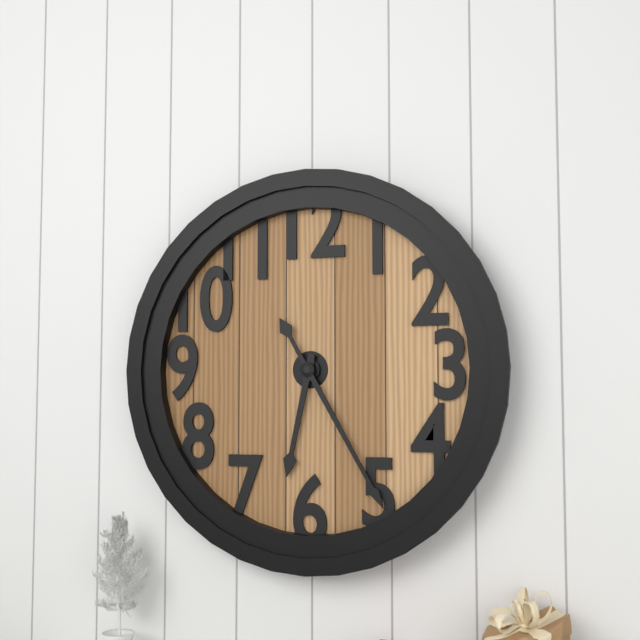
6:25
